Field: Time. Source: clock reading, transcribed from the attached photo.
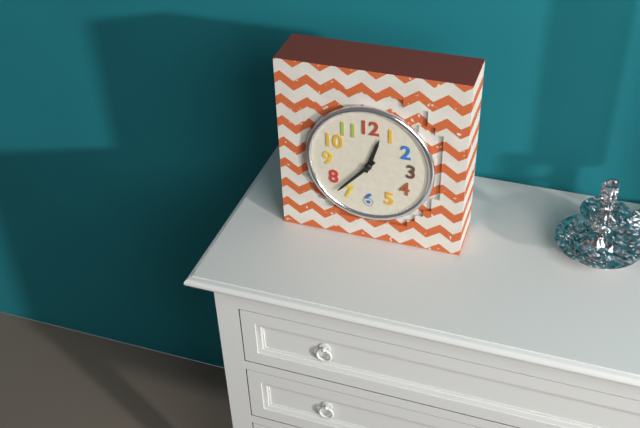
12:37
